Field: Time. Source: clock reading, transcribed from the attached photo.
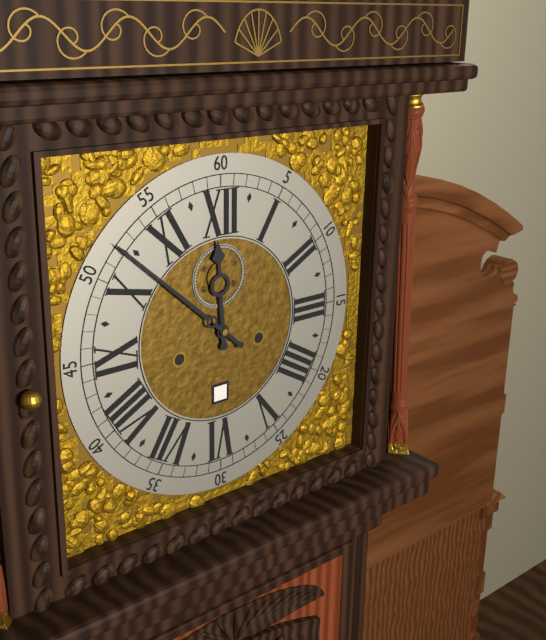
11:52
